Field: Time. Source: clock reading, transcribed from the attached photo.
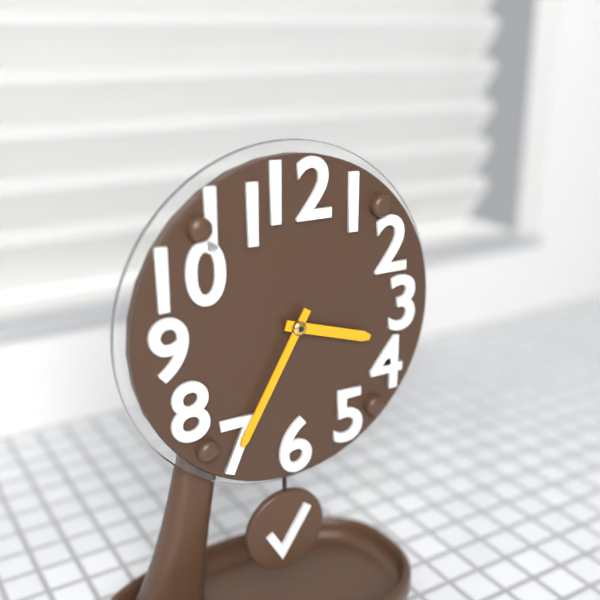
3:35
